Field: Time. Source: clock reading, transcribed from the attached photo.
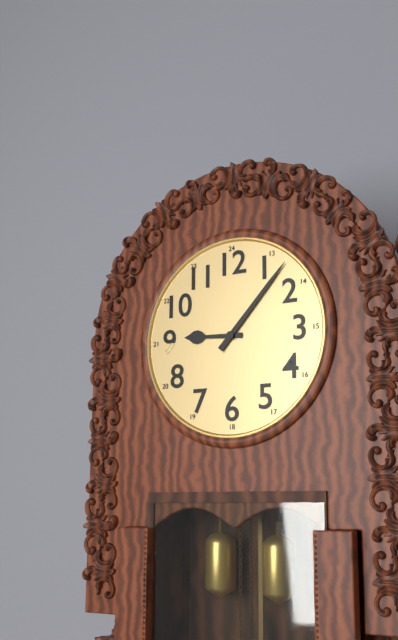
9:07
